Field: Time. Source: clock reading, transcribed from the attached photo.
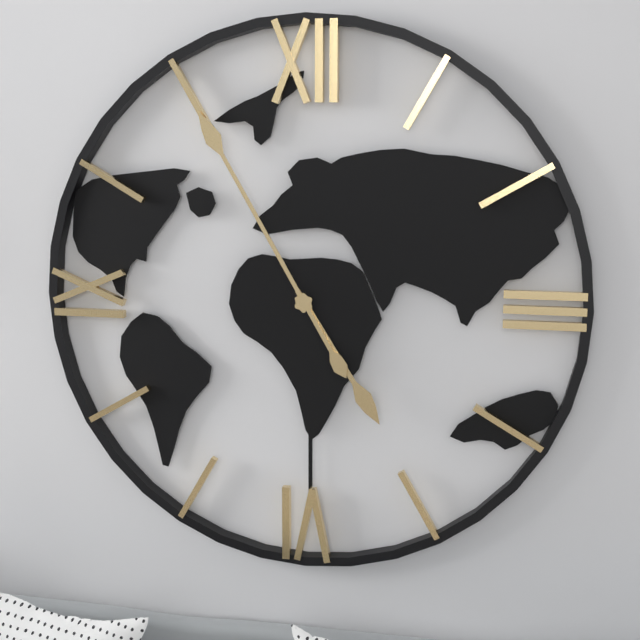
4:55
